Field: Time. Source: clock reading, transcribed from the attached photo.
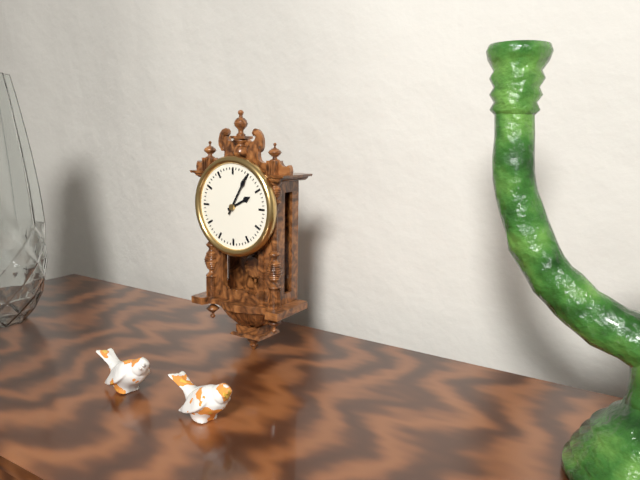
2:05
